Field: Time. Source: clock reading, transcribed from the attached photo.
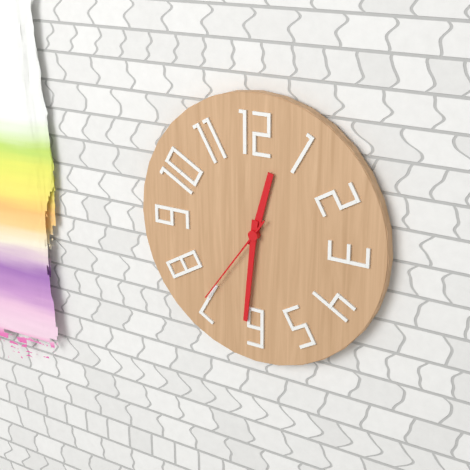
12:31:36
